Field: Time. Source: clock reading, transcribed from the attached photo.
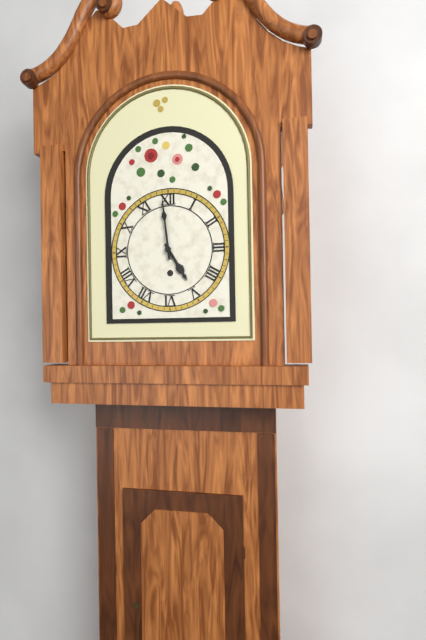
4:59
